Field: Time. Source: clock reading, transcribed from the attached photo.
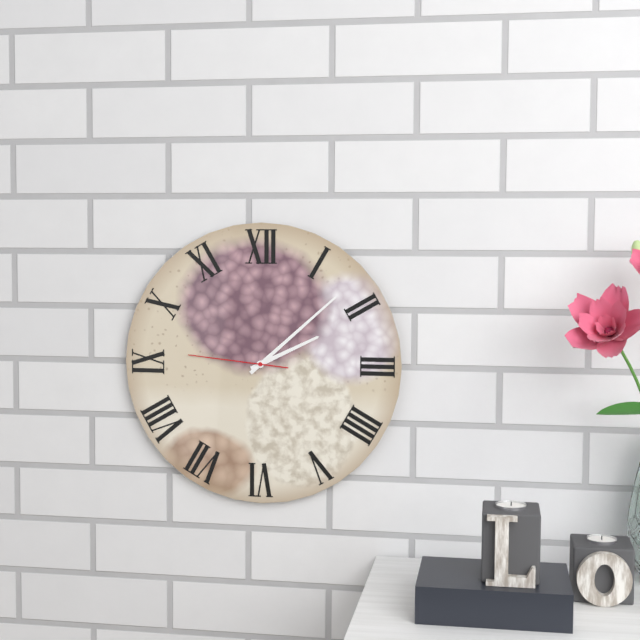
2:08:46
